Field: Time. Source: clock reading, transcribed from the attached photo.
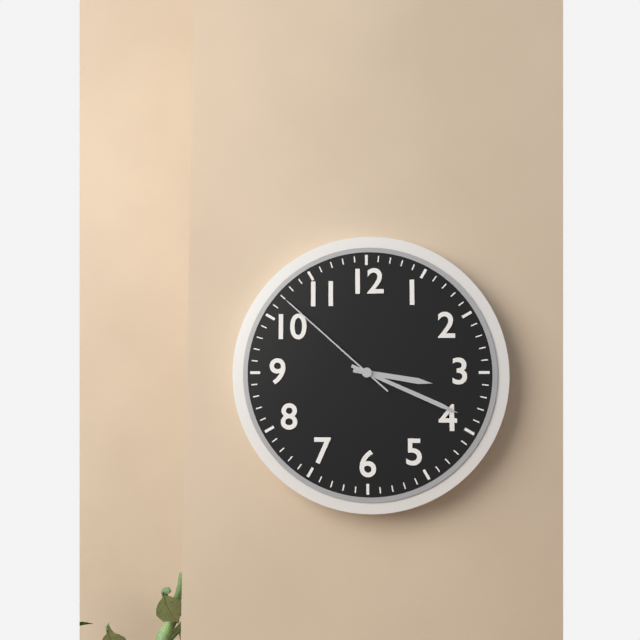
3:19:52
